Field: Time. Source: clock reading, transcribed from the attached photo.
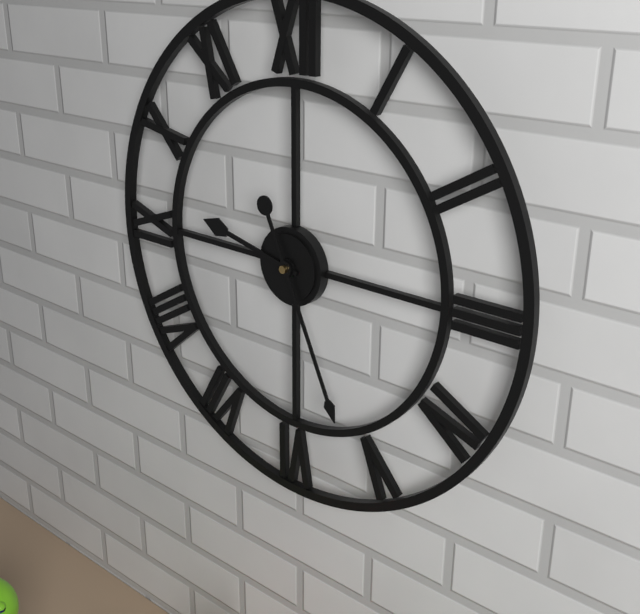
9:26
